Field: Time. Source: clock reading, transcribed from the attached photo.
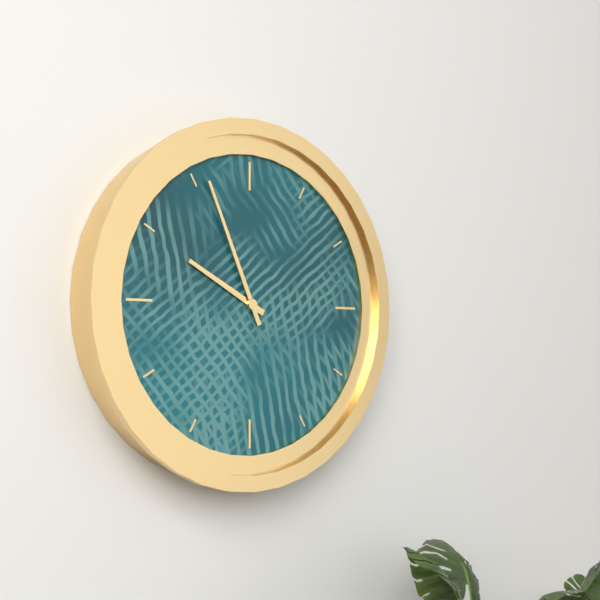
9:56
